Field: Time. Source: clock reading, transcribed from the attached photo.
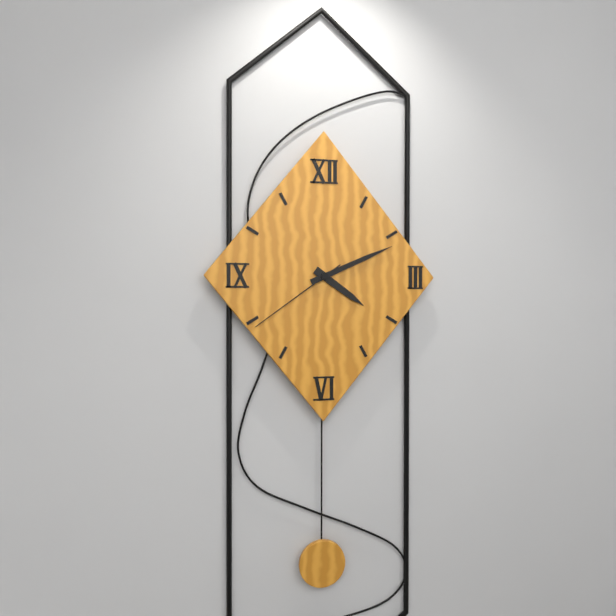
4:11:39
